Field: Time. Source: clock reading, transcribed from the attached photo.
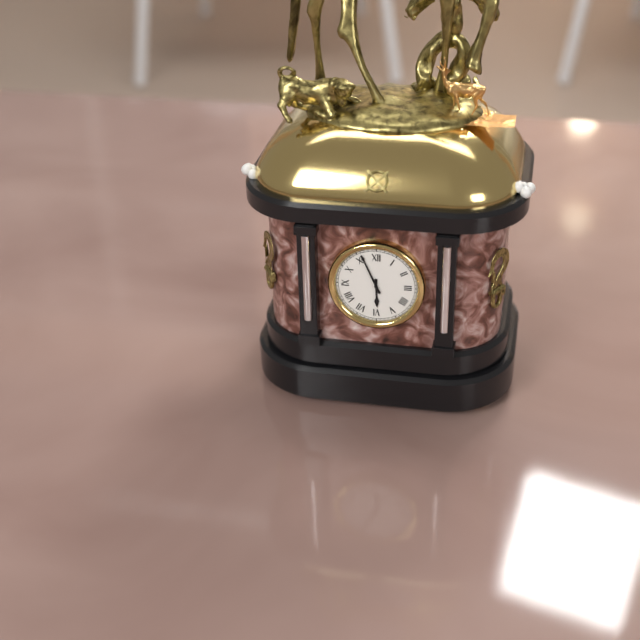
5:56
